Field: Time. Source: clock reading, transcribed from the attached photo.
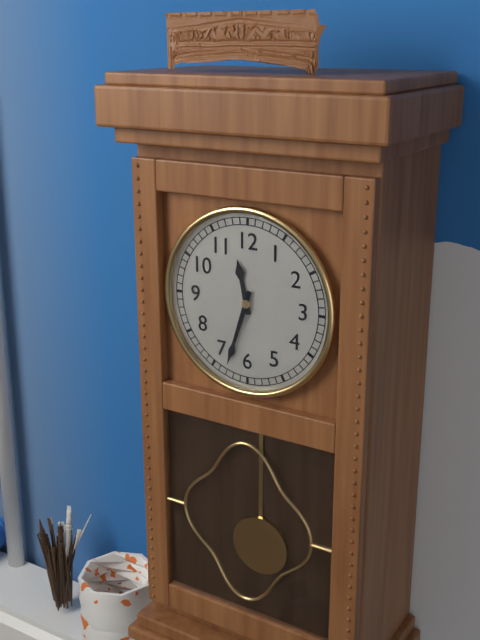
11:33
